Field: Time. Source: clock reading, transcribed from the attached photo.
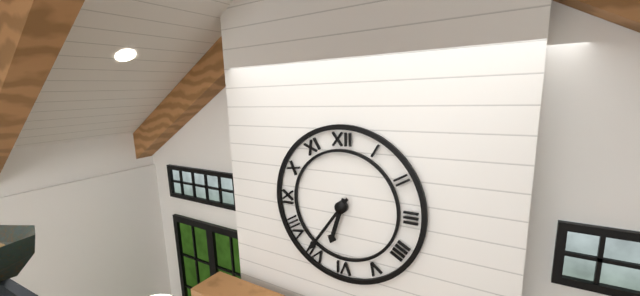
6:36
